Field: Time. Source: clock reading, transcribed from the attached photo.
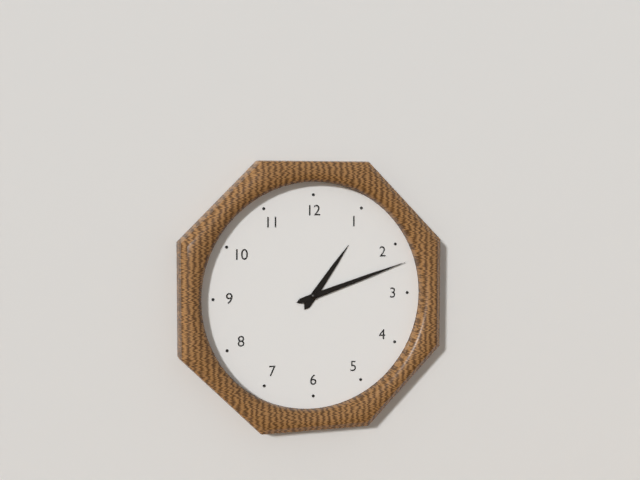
1:12
